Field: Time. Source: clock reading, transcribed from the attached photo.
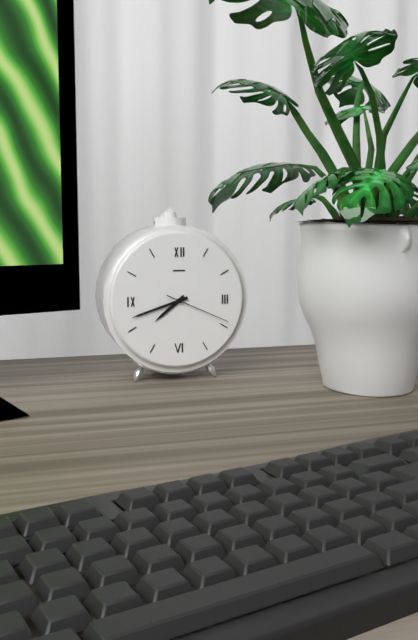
7:42:19
